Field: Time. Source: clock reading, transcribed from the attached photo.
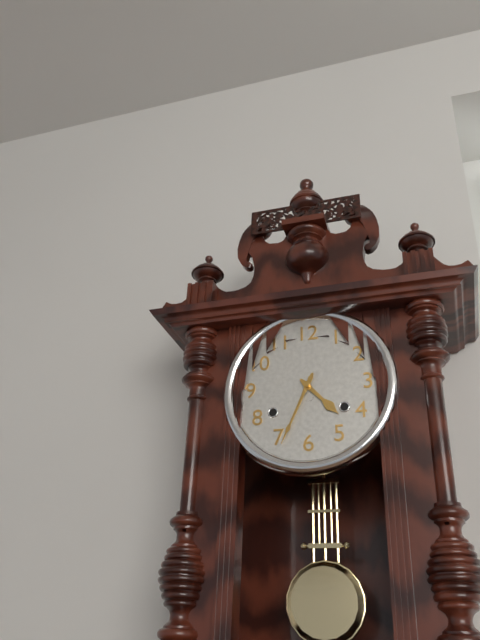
4:34
